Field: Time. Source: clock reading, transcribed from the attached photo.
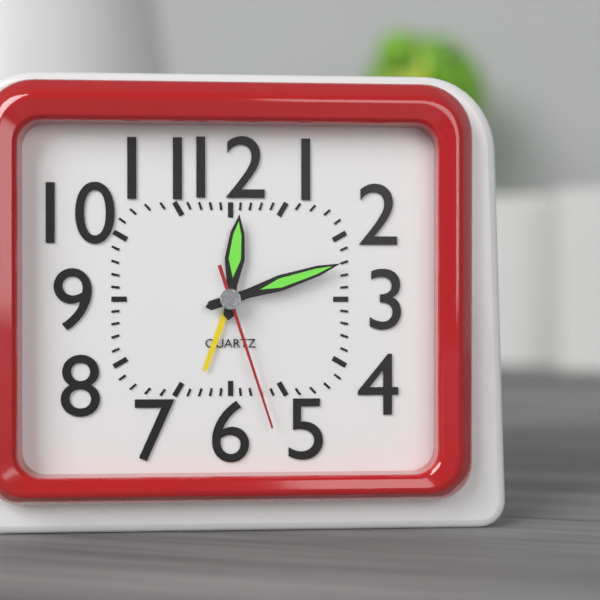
12:12:27
